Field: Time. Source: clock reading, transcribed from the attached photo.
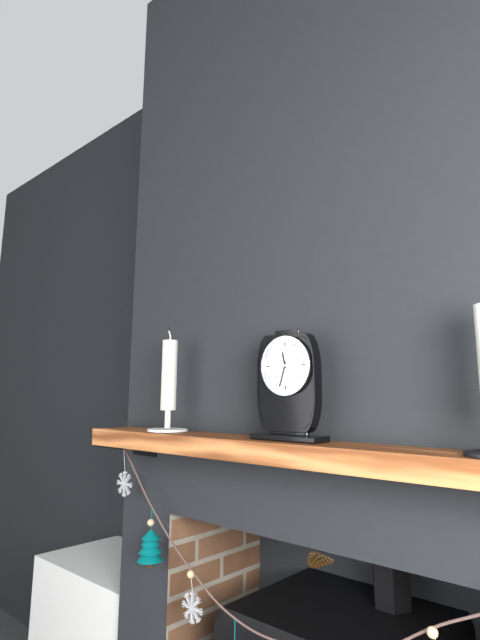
11:33
